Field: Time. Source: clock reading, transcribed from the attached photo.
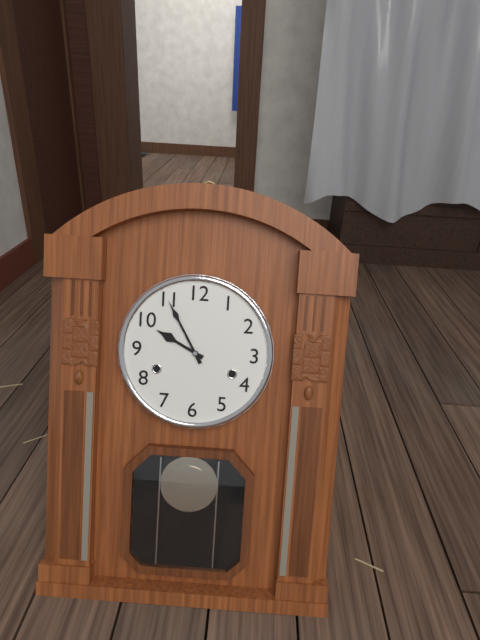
9:55
